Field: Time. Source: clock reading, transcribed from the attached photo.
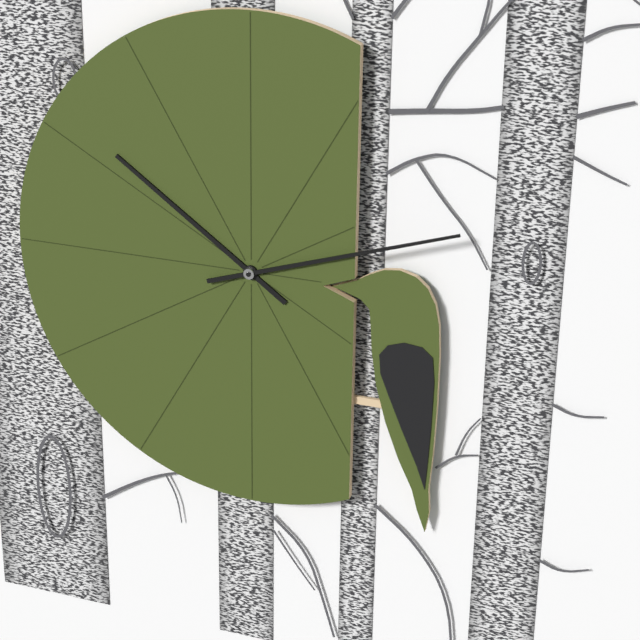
10:12
